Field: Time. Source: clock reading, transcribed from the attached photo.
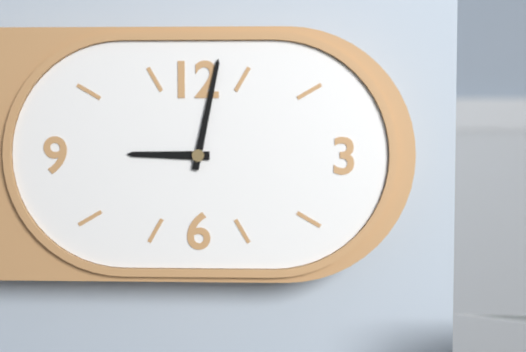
9:02
